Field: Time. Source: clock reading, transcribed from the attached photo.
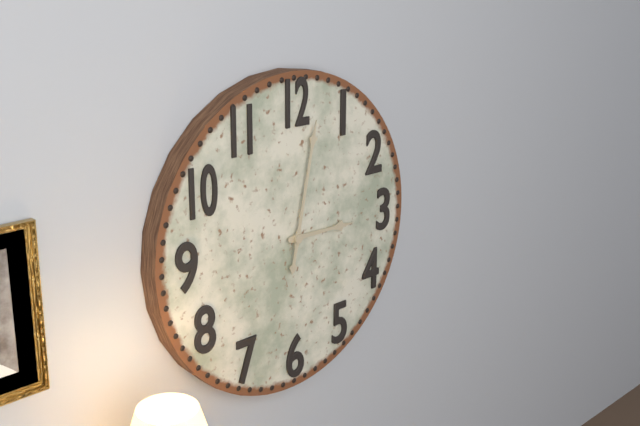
3:02
